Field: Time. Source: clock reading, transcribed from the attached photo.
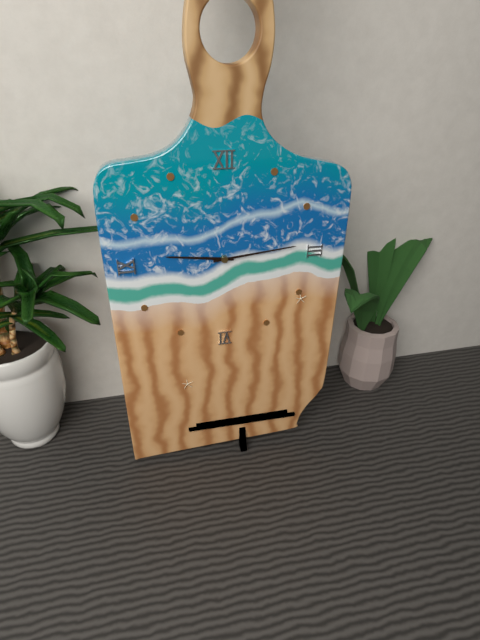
9:14
